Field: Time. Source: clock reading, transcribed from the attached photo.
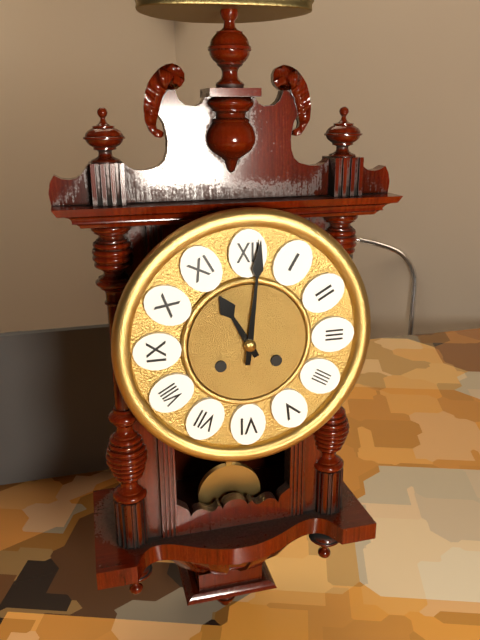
11:01
